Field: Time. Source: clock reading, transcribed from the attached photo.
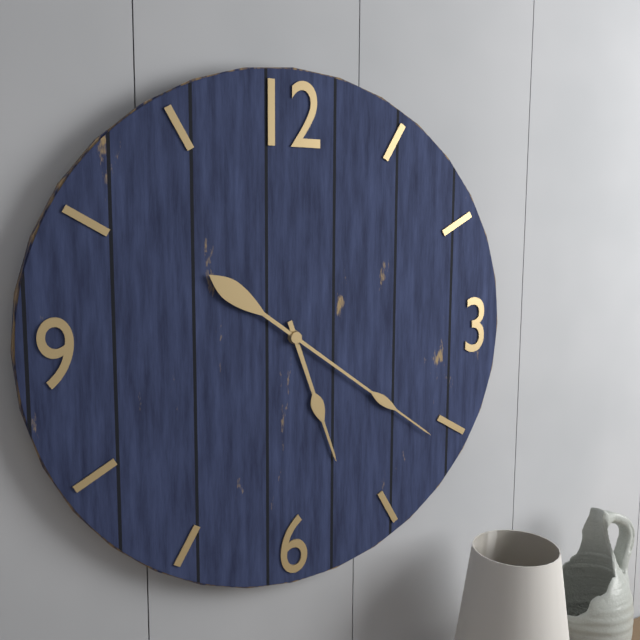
5:21
